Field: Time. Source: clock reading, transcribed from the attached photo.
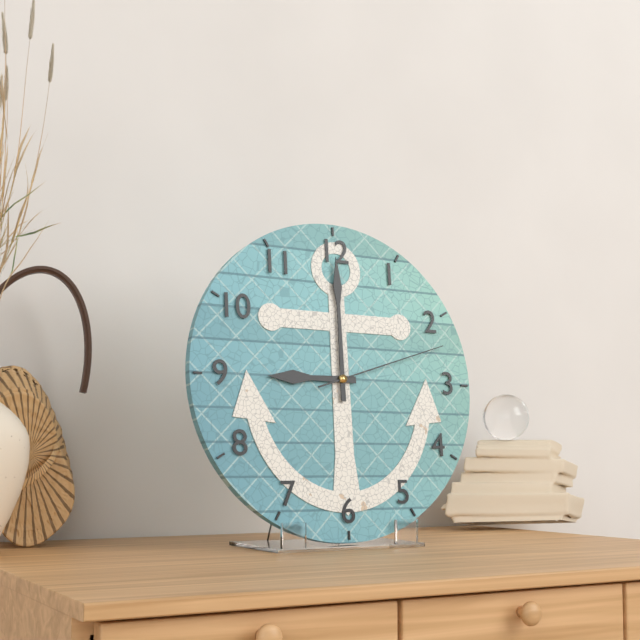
9:00:12
